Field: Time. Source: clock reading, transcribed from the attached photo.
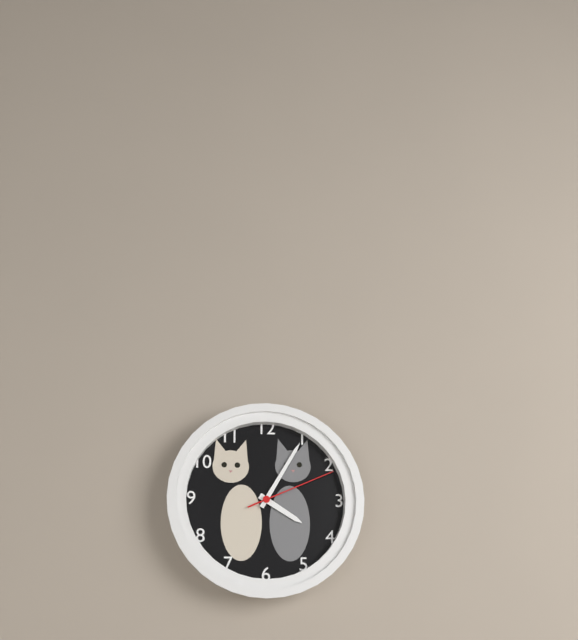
4:05:11
